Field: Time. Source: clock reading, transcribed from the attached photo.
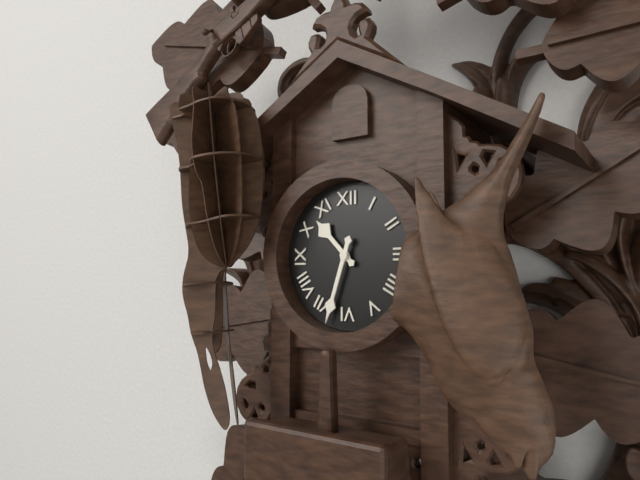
10:33
